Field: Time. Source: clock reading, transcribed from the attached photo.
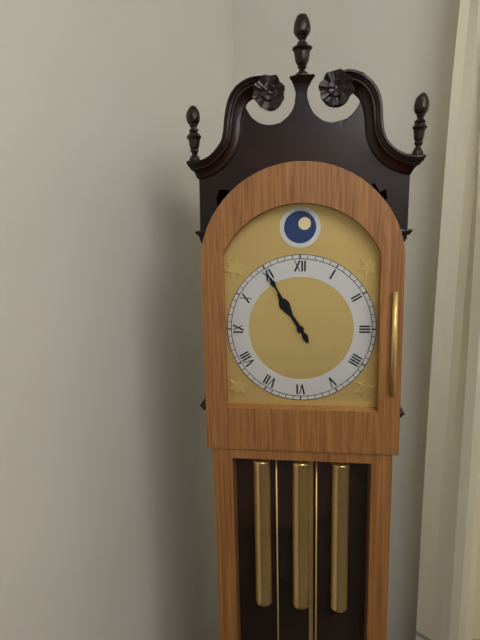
10:55
